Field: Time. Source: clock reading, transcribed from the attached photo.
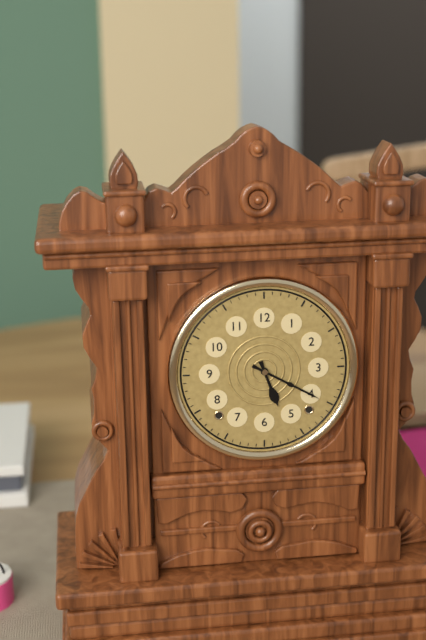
5:20
